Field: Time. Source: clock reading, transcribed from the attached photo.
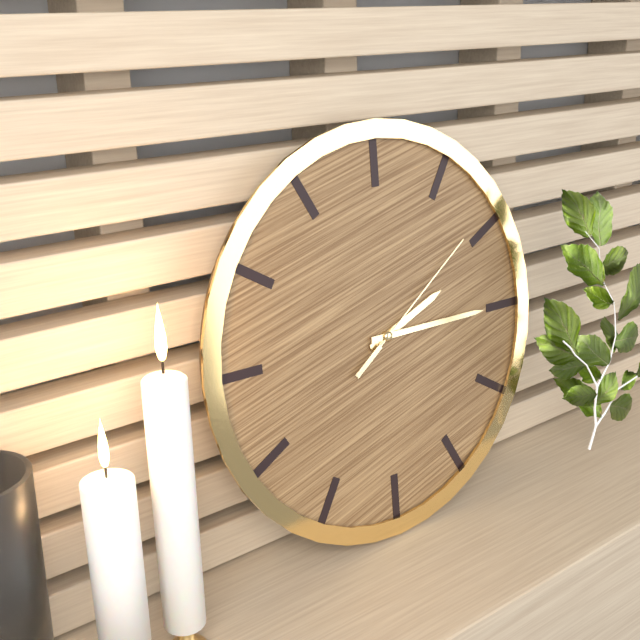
2:15:09
